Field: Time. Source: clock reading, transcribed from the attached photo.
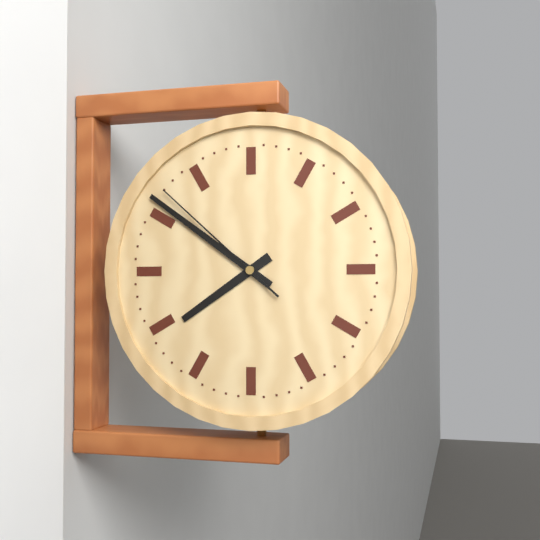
7:51:52
